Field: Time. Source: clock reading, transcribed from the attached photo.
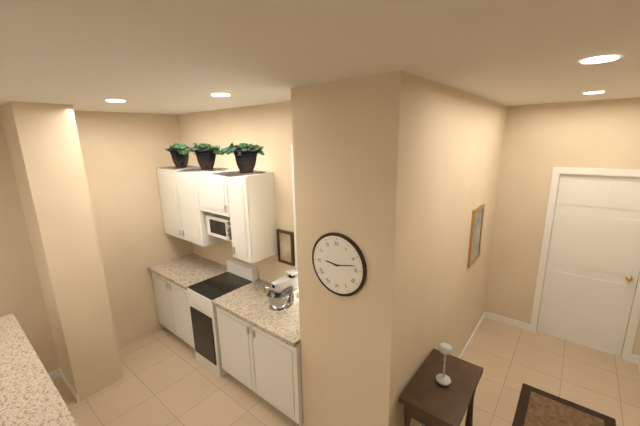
9:13
